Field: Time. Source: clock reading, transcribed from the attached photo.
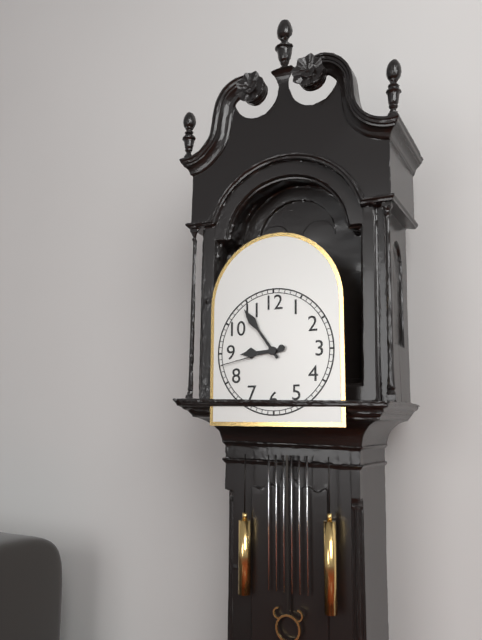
8:54:43
